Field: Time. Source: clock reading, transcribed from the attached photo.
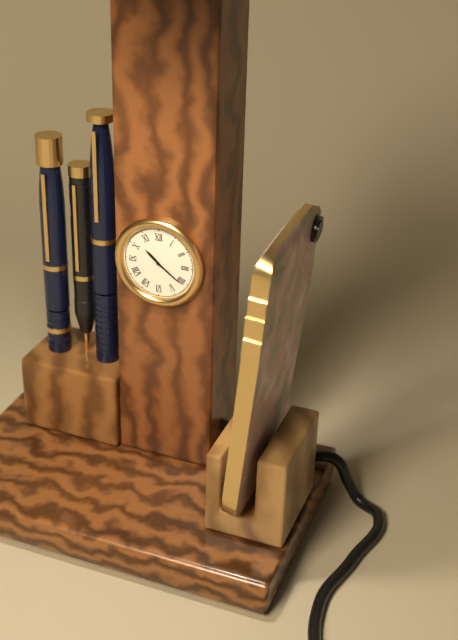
10:21
